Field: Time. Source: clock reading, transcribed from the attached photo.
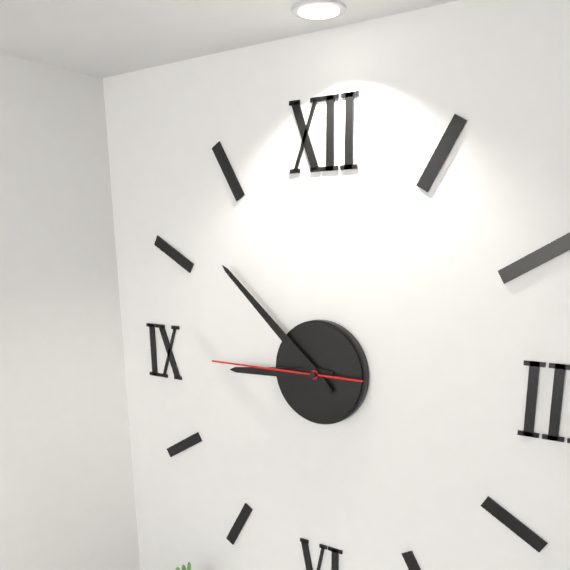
8:52:45
